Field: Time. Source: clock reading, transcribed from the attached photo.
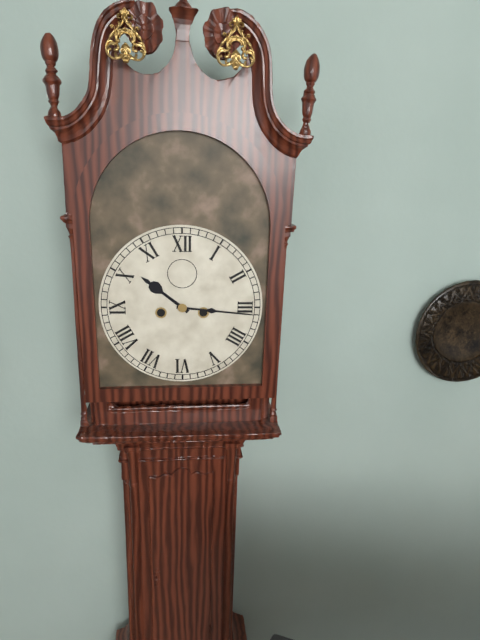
10:16
